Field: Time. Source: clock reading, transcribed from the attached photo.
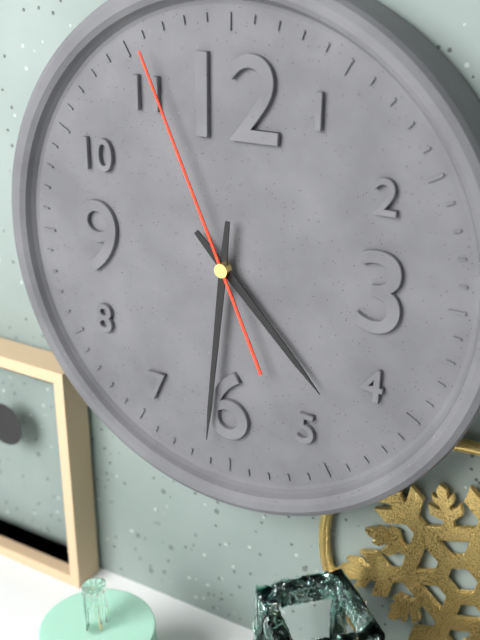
4:31:56
